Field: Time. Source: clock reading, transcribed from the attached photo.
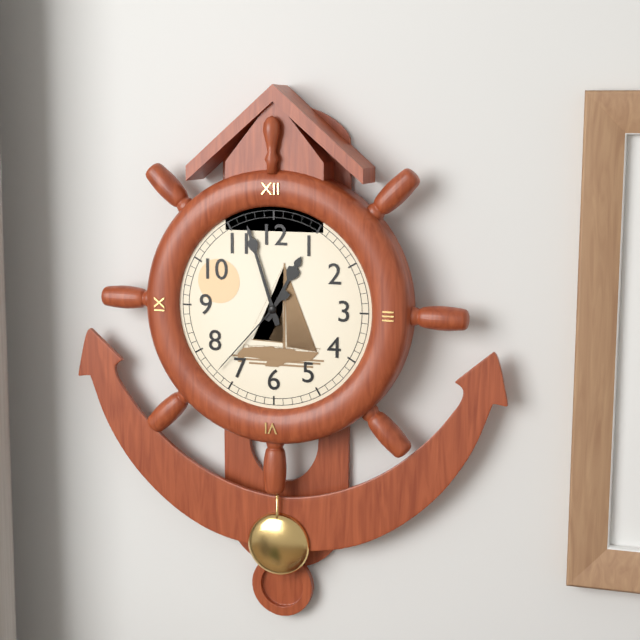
12:57:37
